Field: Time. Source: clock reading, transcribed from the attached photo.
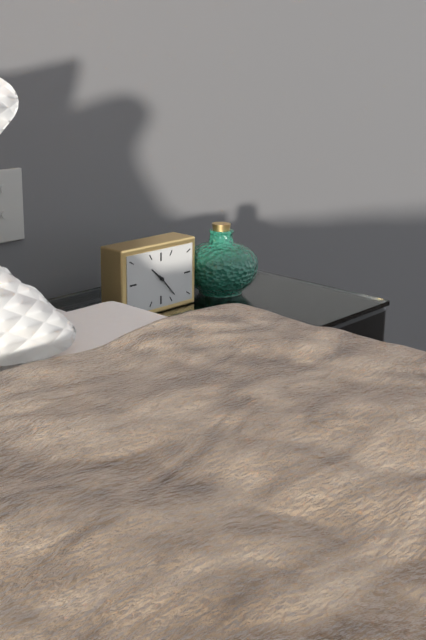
10:23
